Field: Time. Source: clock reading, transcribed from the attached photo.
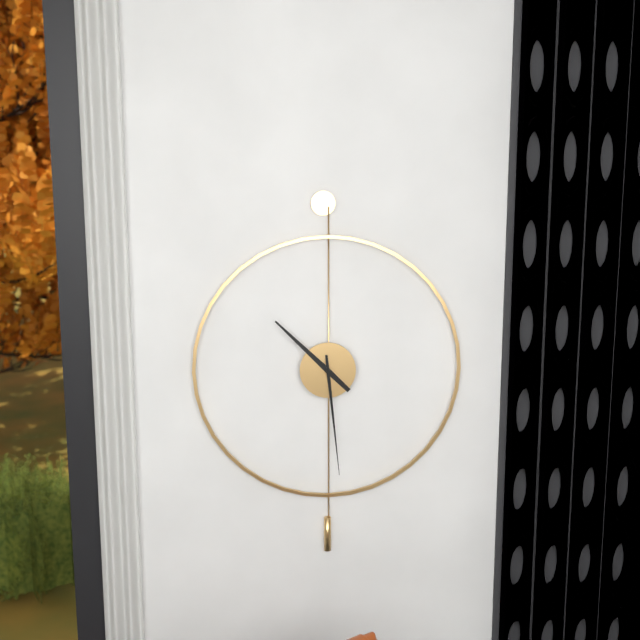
10:29
